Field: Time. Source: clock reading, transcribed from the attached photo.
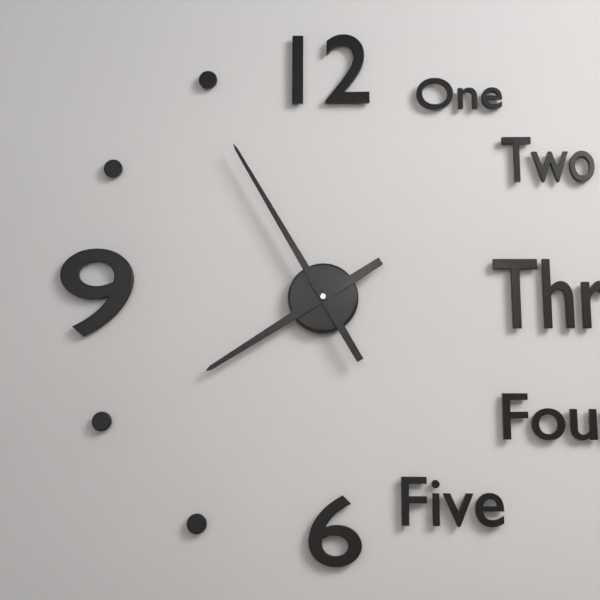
7:55
